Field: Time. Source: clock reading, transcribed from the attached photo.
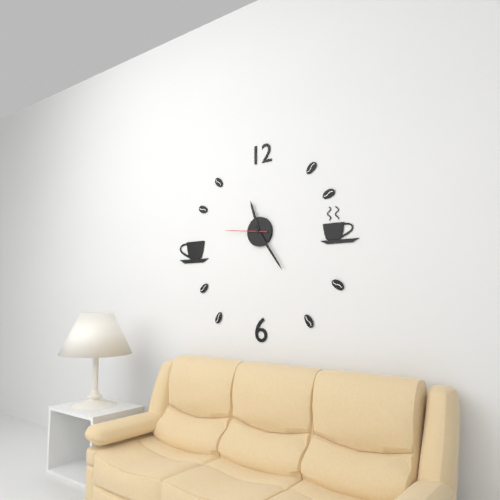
11:24
